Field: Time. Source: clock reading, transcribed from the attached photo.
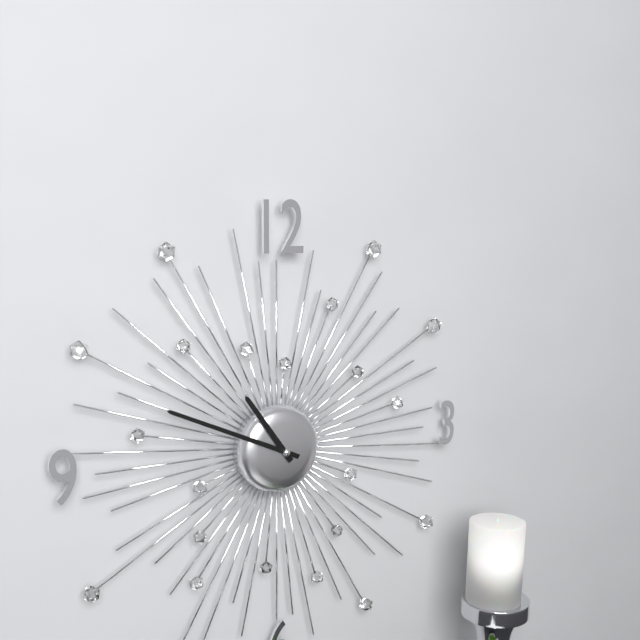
10:49
